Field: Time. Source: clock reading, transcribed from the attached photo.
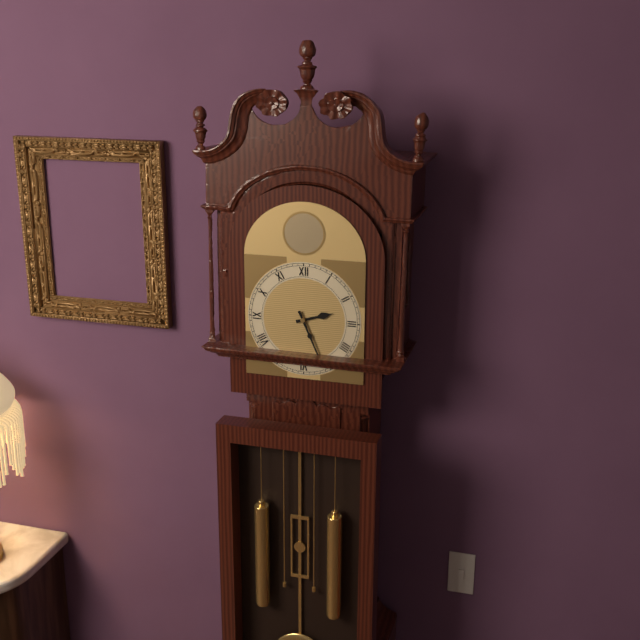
2:26
